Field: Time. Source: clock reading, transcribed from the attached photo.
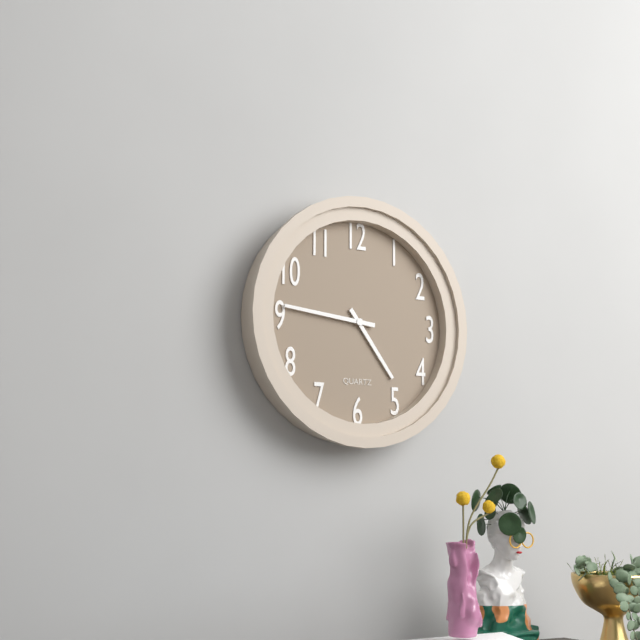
4:46
